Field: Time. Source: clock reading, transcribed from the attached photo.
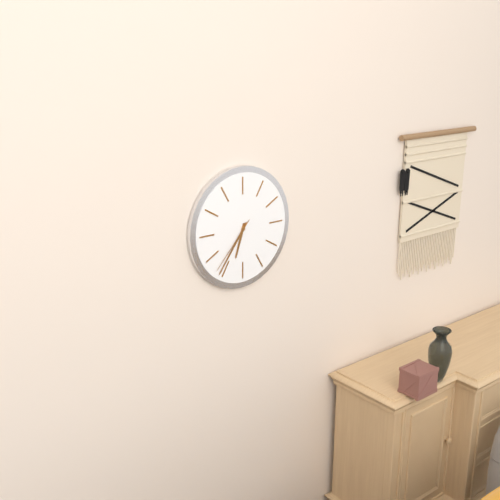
6:36:37
